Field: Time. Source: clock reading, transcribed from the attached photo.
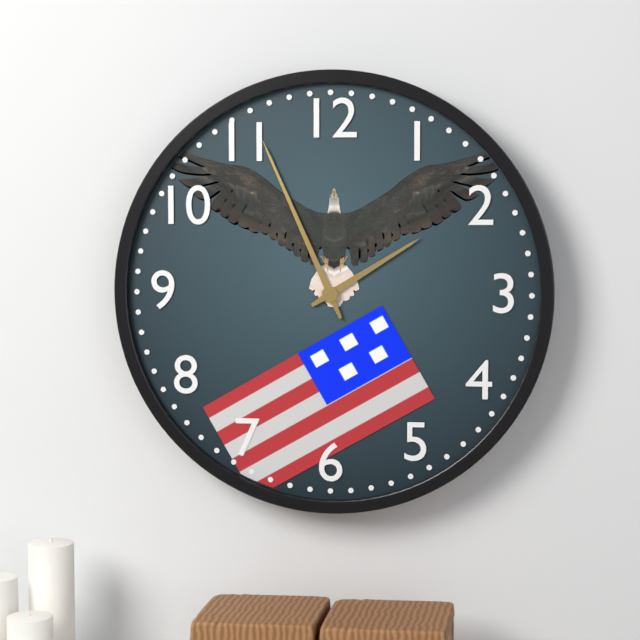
1:56
